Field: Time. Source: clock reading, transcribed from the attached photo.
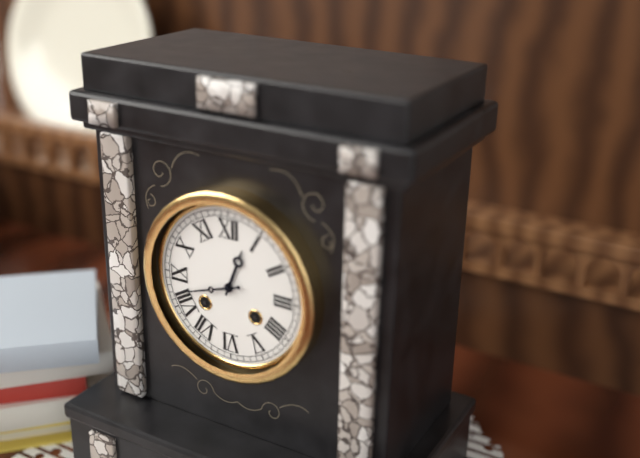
12:42
